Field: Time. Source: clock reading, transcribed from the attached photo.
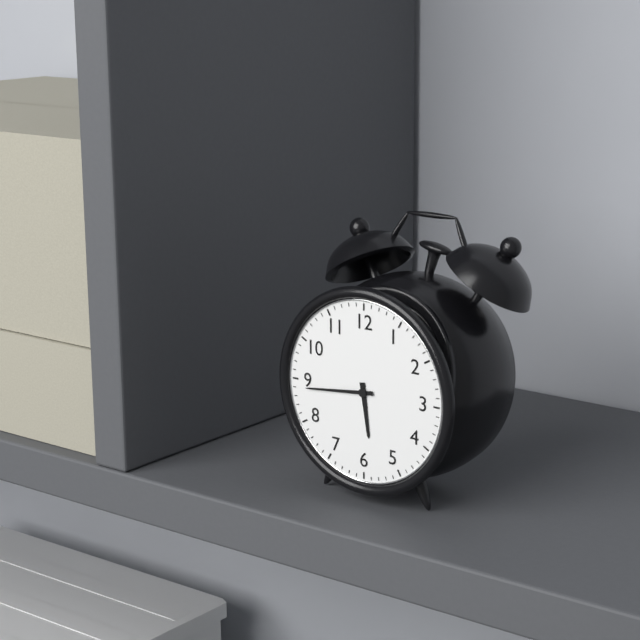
5:44
